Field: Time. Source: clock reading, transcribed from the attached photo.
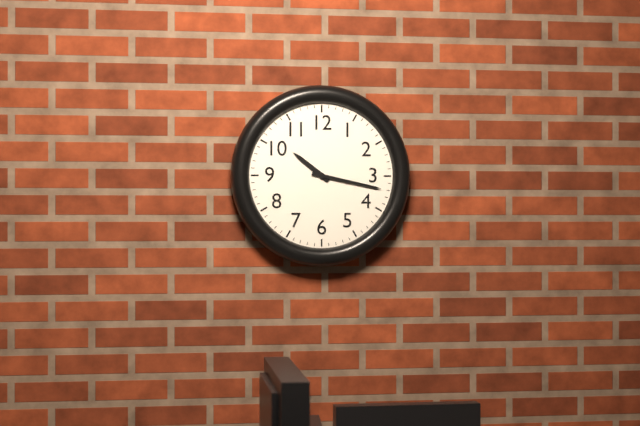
10:17
